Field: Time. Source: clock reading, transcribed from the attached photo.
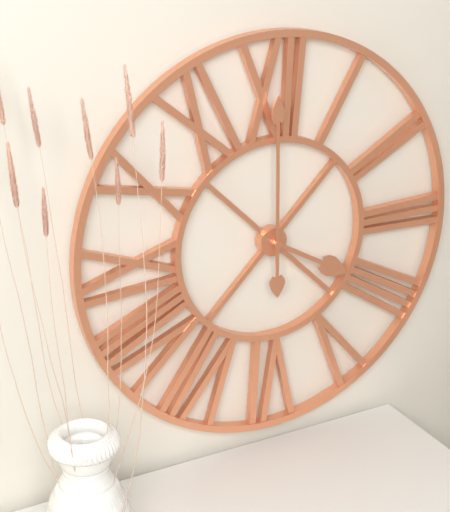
4:00
